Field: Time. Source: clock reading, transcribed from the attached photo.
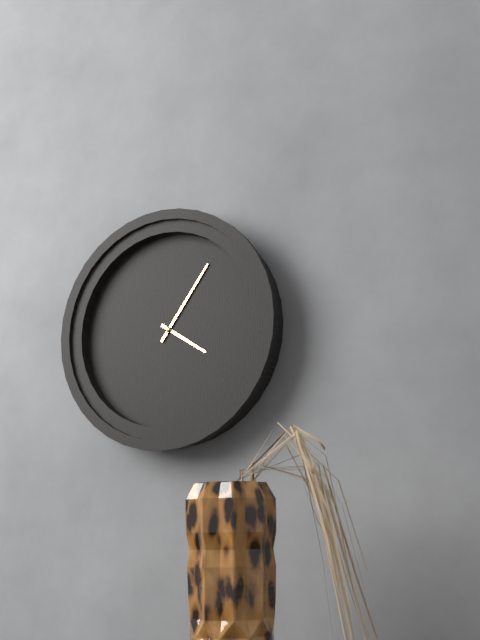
4:06
